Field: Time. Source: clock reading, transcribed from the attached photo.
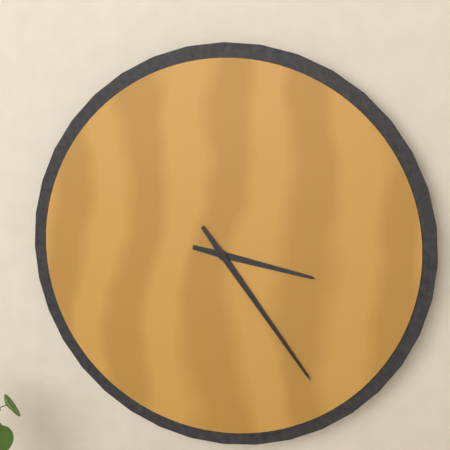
3:24
